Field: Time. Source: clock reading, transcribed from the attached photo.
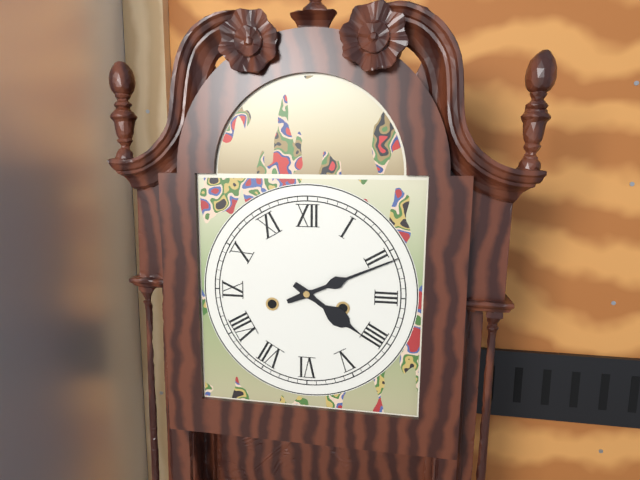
4:11
